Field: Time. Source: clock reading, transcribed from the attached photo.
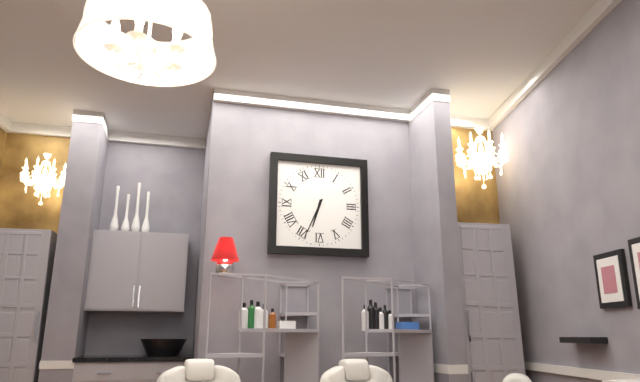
6:34
